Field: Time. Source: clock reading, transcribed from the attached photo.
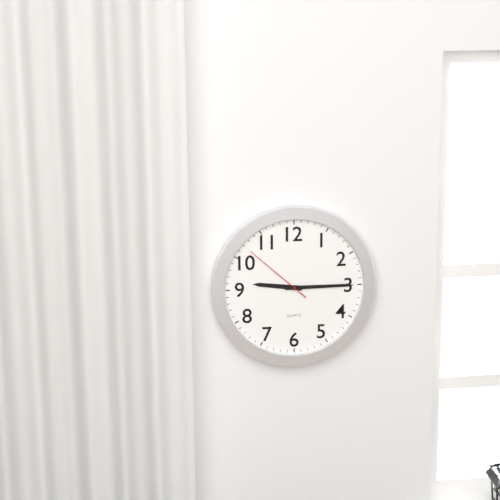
9:15:52
